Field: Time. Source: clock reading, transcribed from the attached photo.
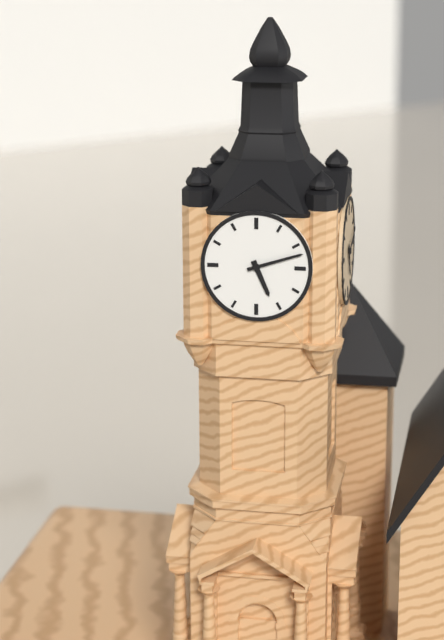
5:12
